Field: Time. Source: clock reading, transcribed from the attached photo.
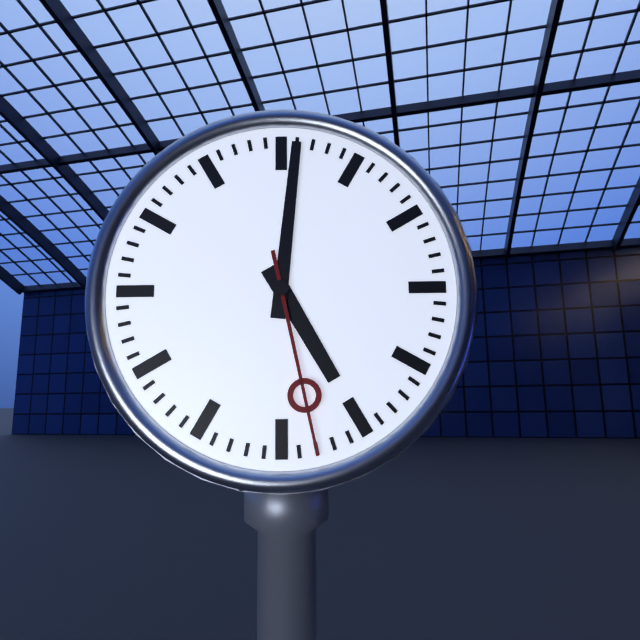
5:01:28
